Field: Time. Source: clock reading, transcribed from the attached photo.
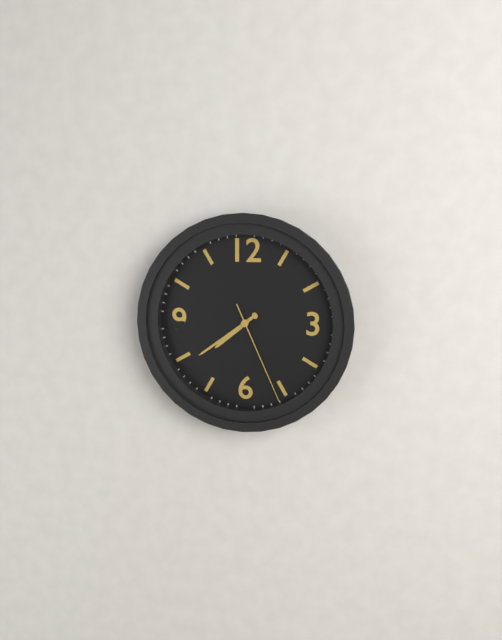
7:39:26
